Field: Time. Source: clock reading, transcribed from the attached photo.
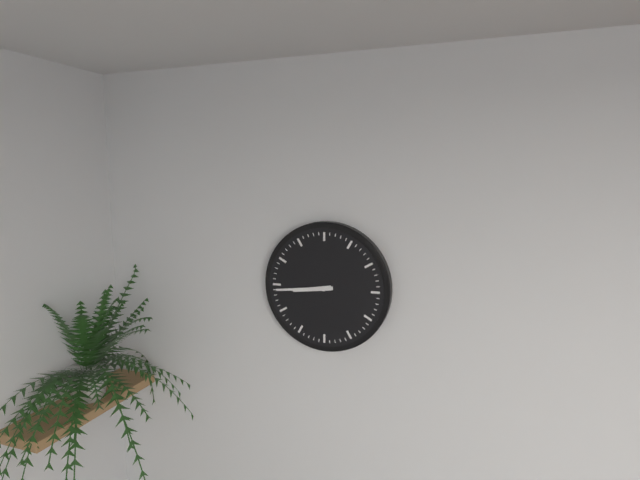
8:44
